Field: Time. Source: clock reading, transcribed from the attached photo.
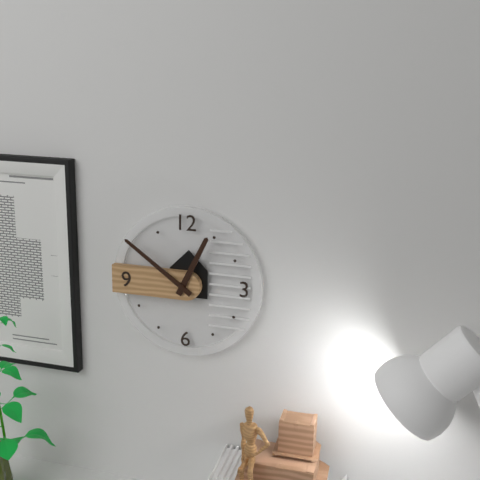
12:51
